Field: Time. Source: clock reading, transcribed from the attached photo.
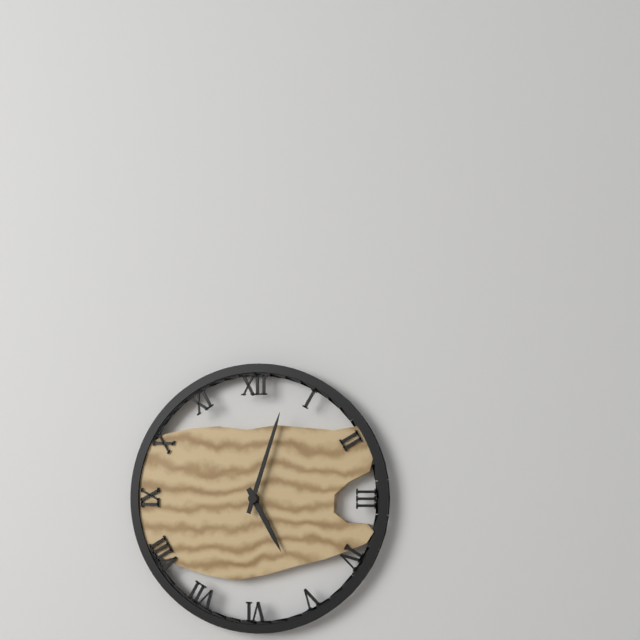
5:03
